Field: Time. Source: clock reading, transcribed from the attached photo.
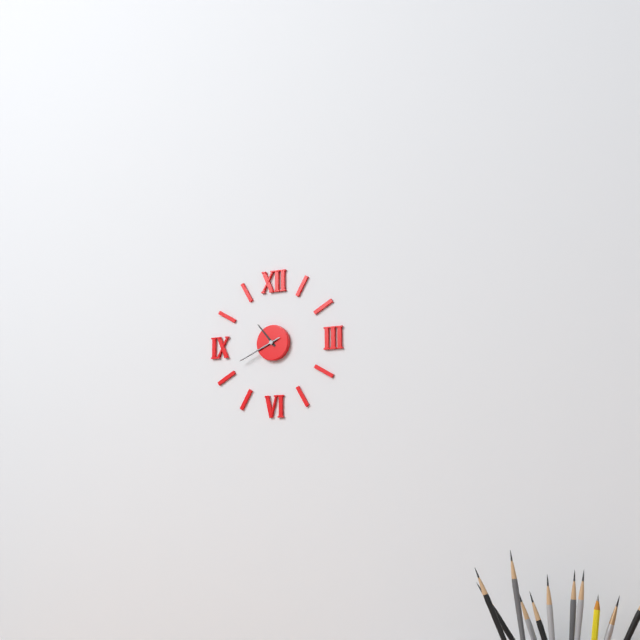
10:41
